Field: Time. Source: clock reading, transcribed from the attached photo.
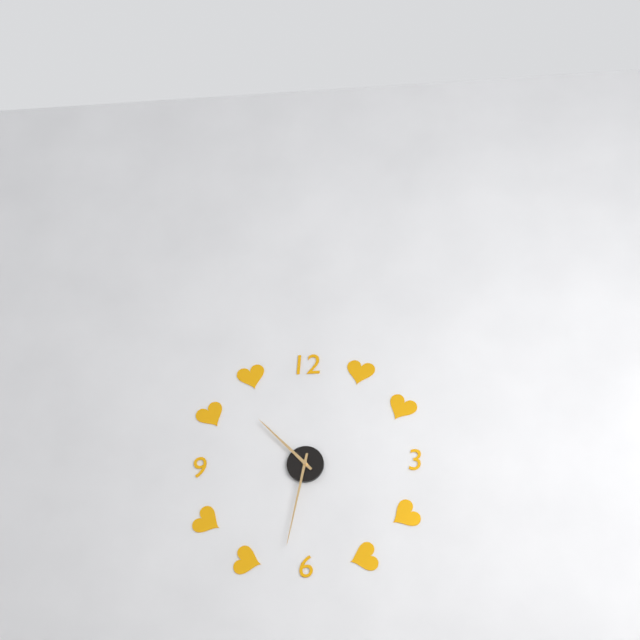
10:32
